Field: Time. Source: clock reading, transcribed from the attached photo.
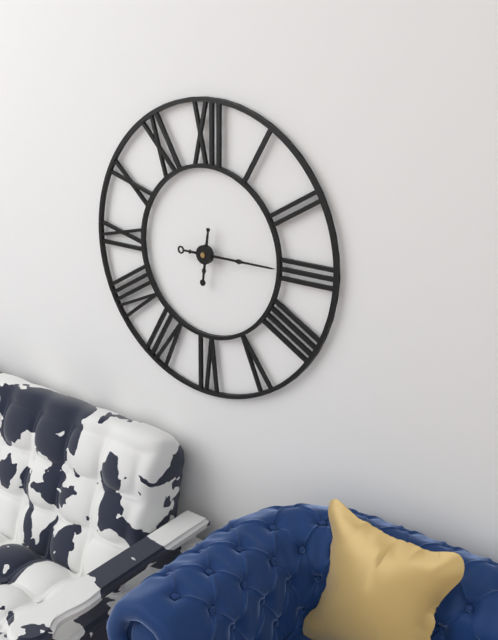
6:15
